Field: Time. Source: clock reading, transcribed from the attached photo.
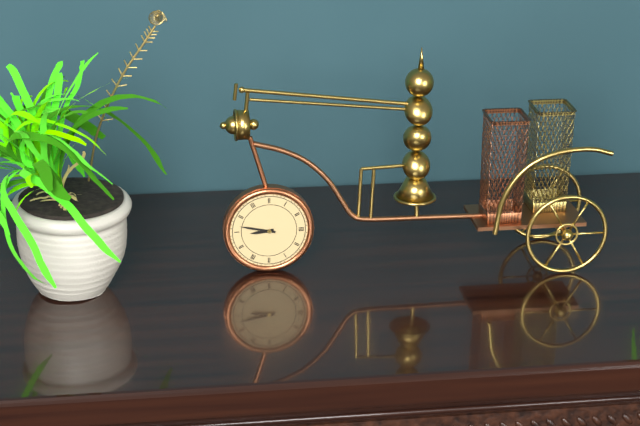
8:47
